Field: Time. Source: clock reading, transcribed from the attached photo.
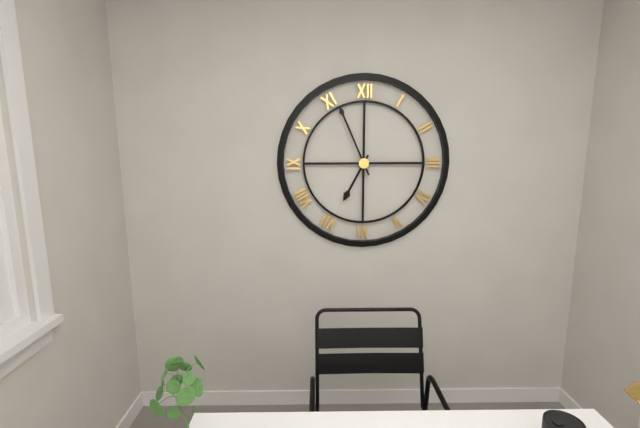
6:56
